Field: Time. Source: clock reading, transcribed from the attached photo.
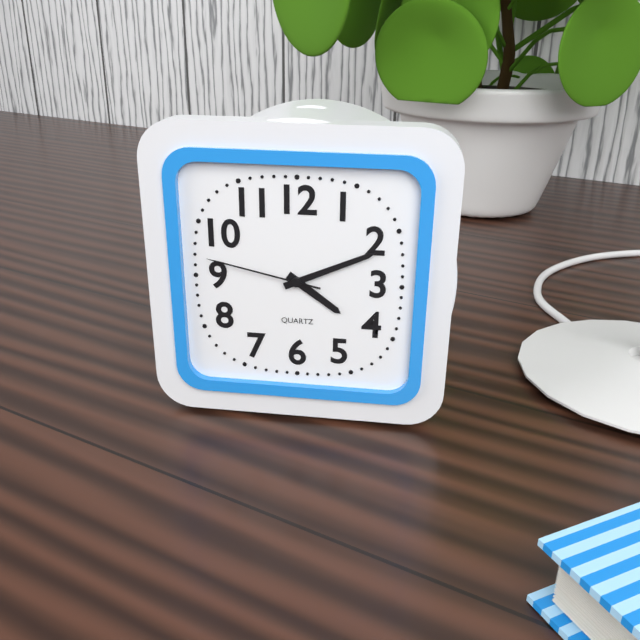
4:11:47
